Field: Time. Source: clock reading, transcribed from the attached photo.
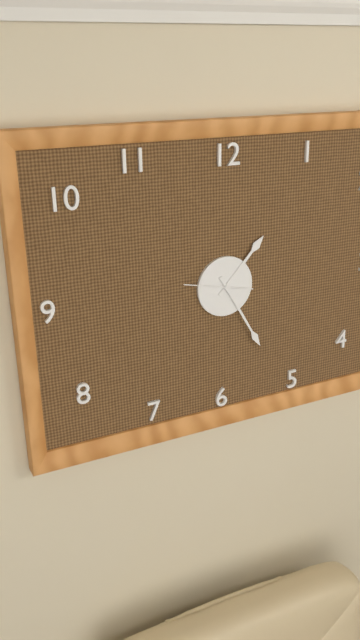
1:25:47
